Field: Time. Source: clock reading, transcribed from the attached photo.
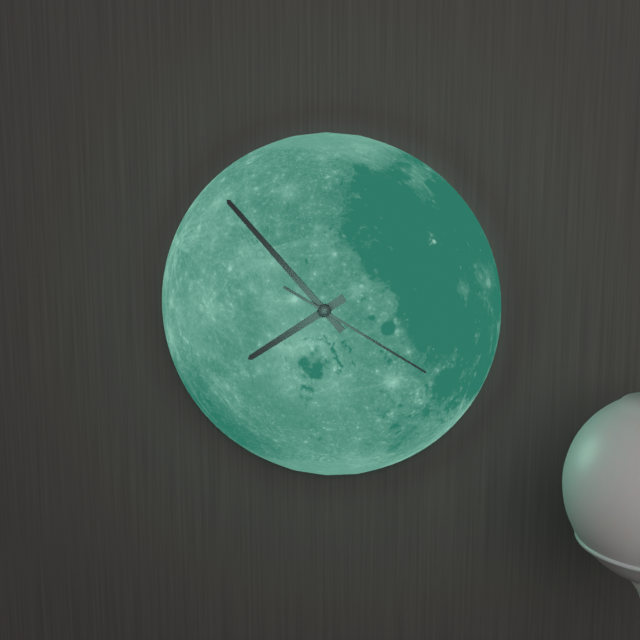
7:53:20
